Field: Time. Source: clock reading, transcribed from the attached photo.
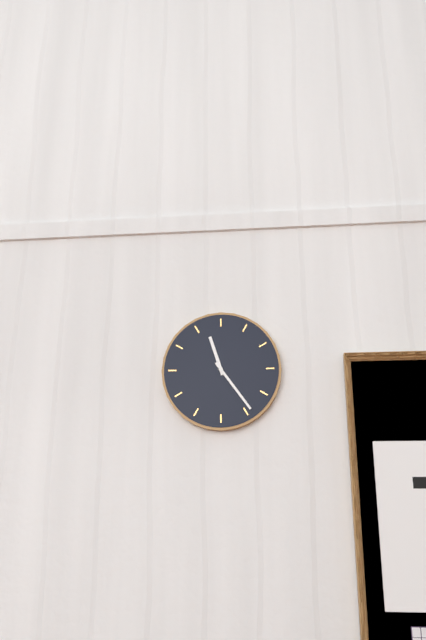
11:24
